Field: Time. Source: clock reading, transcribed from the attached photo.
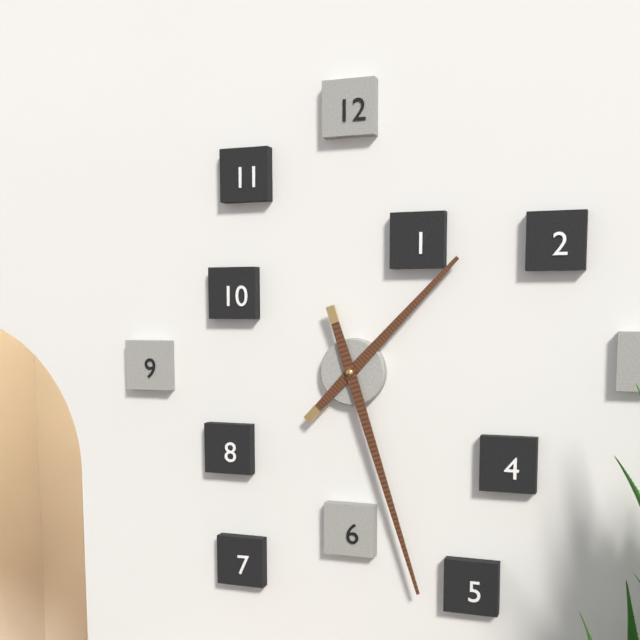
1:27
